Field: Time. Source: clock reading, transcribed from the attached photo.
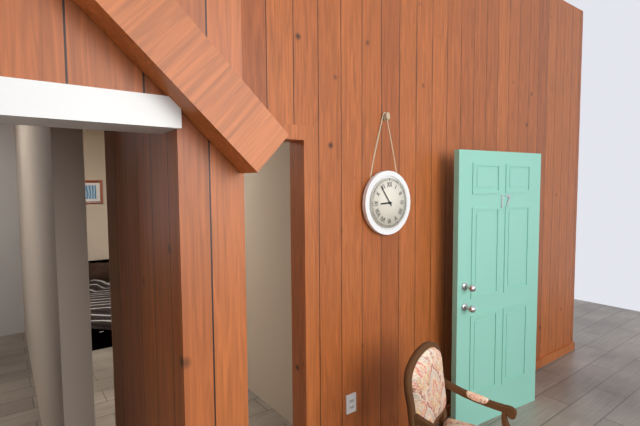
8:54
